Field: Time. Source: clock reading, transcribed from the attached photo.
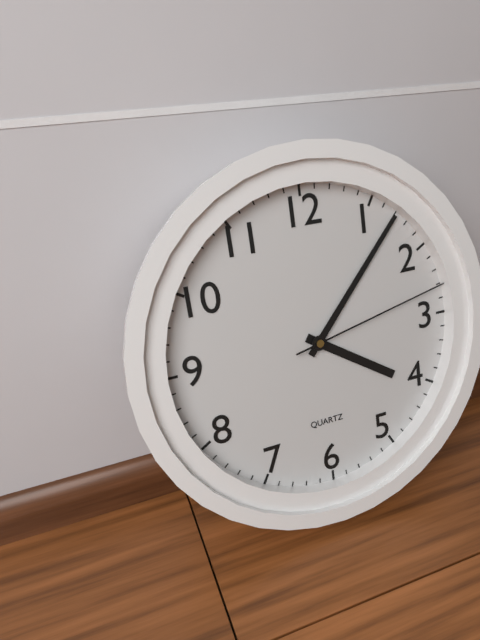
4:07:13
